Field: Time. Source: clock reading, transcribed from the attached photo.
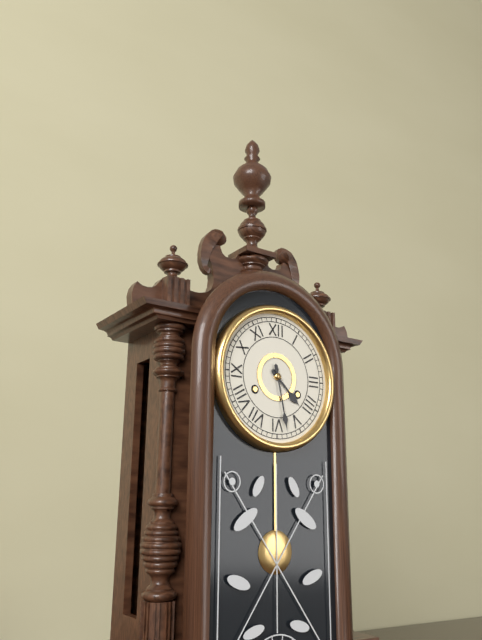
4:28
